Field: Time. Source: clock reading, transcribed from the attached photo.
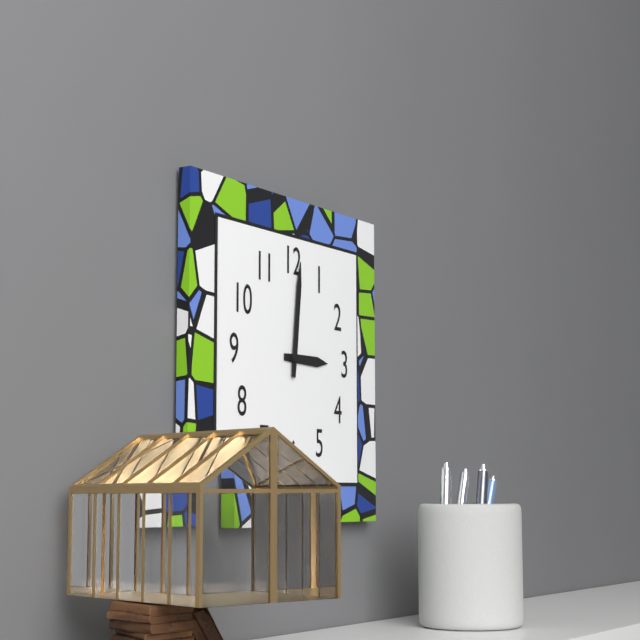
3:01
